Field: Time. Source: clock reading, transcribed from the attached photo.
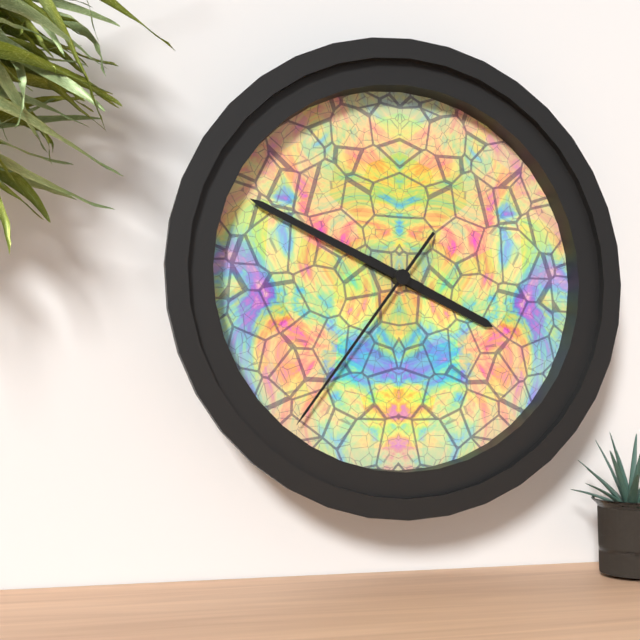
3:49:36
